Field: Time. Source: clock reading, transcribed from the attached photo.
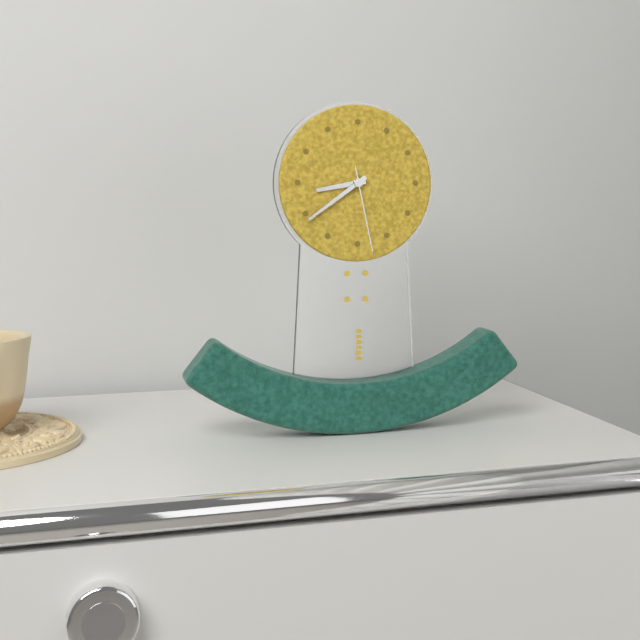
8:39:28
